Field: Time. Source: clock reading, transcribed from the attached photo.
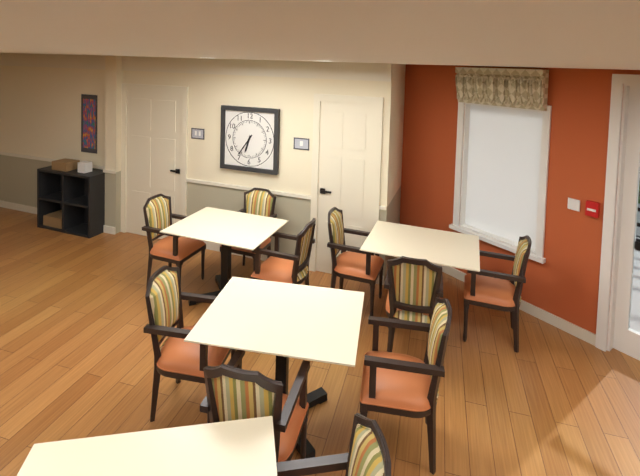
6:36
